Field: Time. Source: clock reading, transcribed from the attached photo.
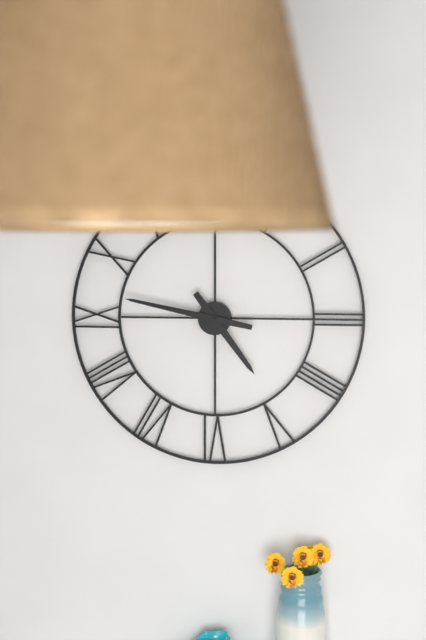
4:47
